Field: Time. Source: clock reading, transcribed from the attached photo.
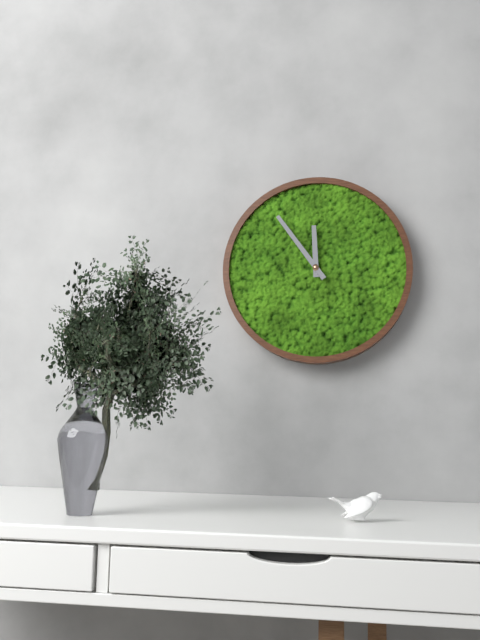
11:54
